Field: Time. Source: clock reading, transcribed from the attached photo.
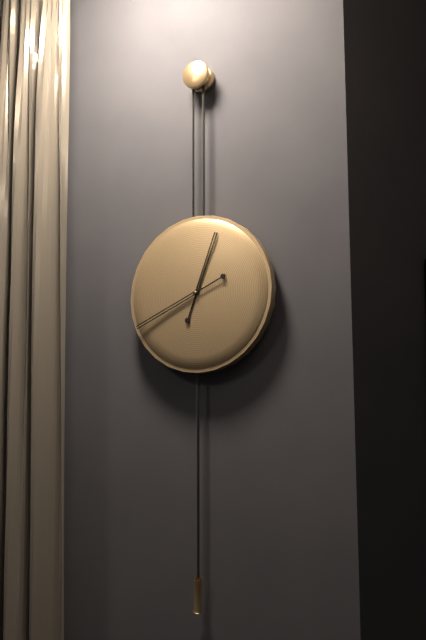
12:41
